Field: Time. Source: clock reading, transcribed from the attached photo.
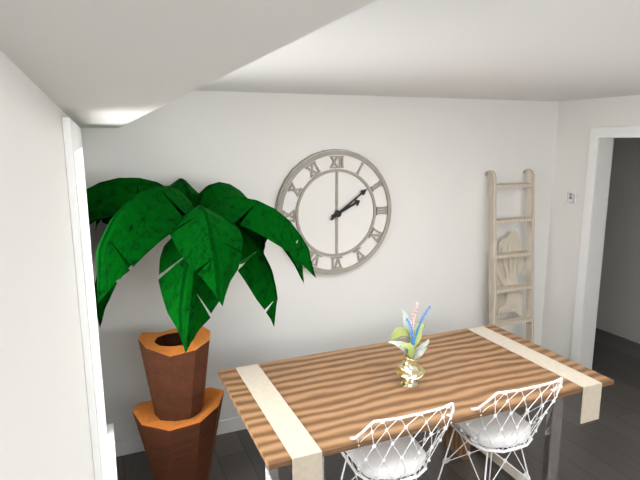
2:09
